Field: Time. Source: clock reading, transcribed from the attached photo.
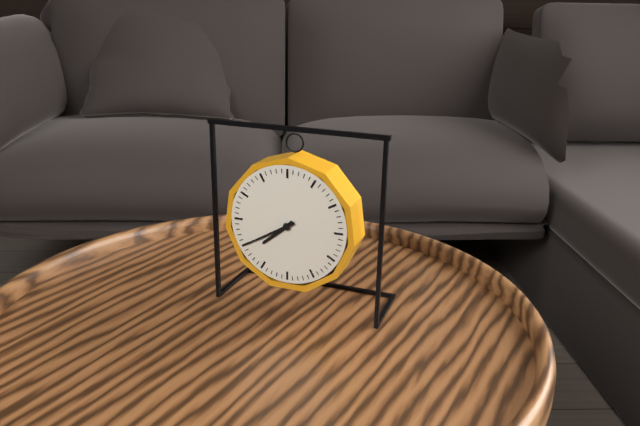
7:40
